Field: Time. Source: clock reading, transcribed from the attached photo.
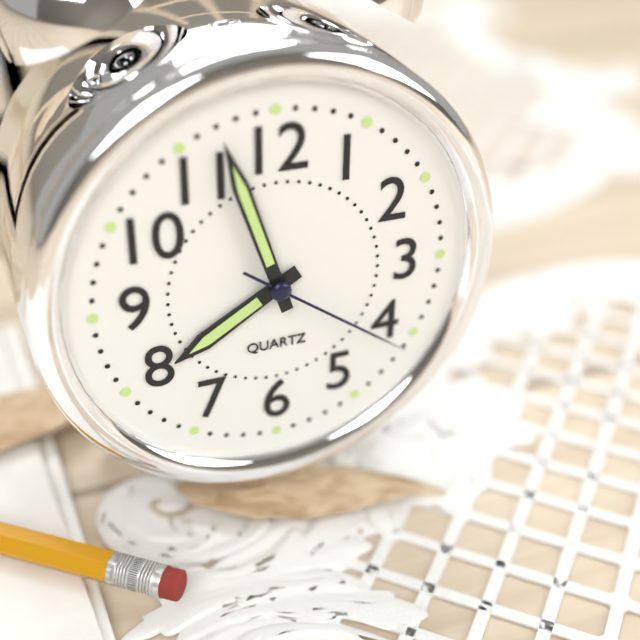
7:57:21
